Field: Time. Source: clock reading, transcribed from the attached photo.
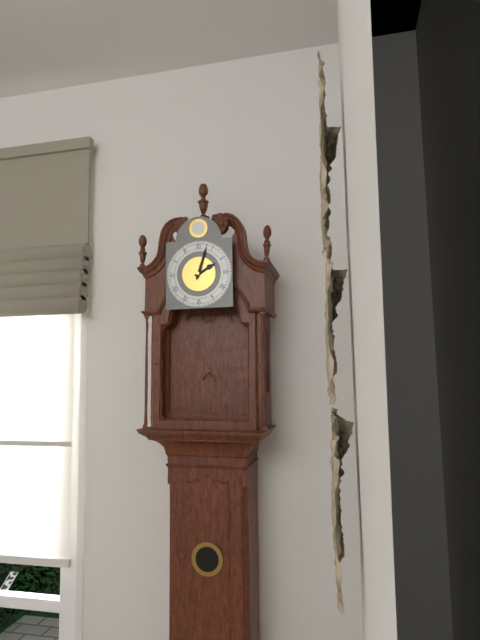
2:03
